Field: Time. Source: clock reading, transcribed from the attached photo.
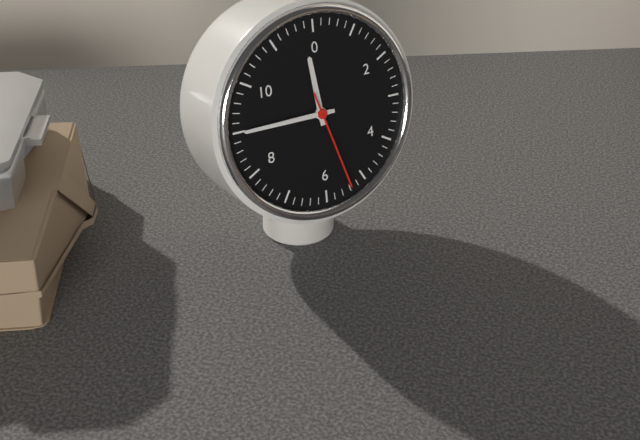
11:45:27
